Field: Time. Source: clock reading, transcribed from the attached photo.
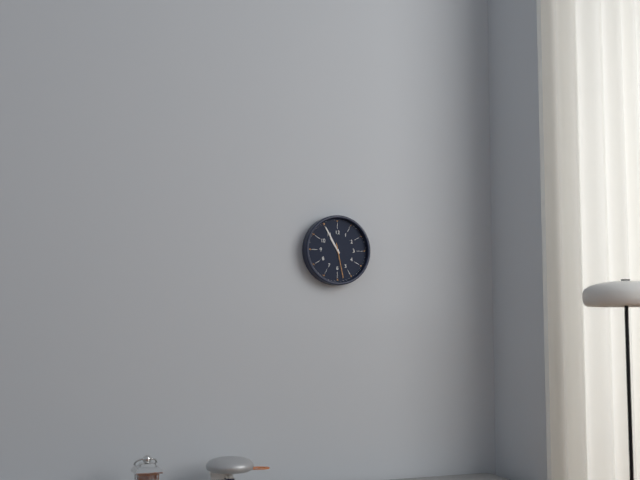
10:55
